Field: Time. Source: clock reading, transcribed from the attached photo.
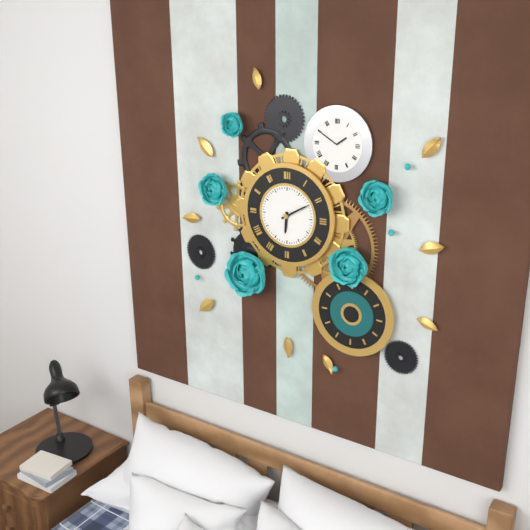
6:10
